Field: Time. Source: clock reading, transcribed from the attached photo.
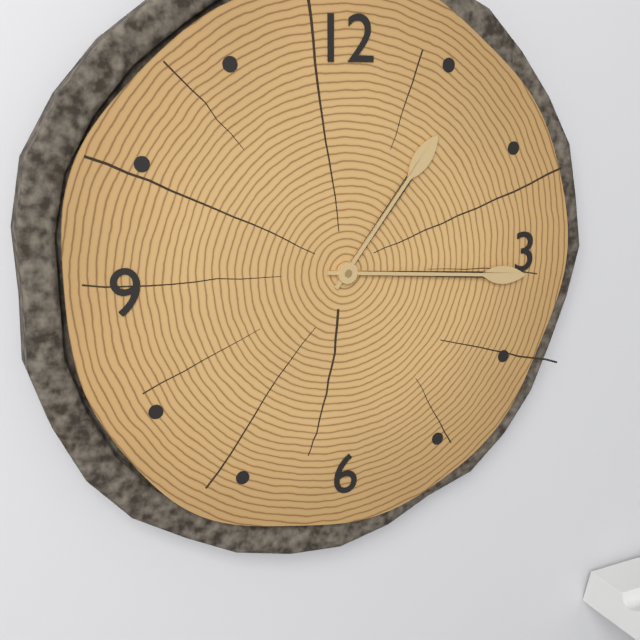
1:16
